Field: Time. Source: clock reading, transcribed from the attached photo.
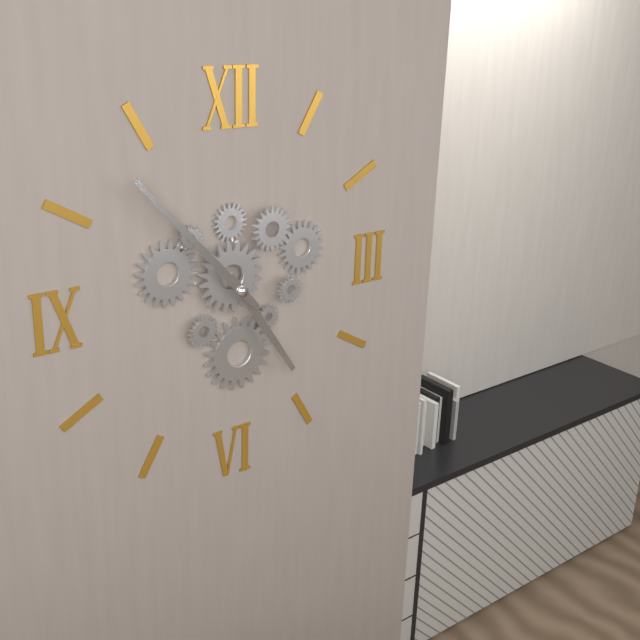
4:53
